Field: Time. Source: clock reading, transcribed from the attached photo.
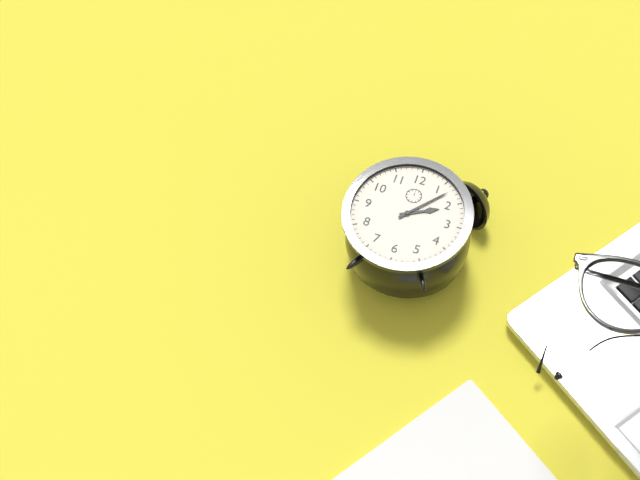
2:07
